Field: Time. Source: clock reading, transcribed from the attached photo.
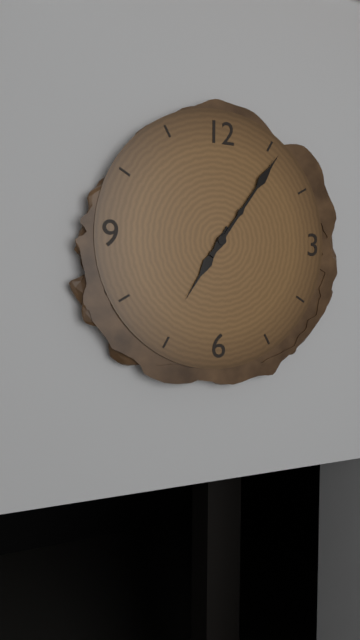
7:06
